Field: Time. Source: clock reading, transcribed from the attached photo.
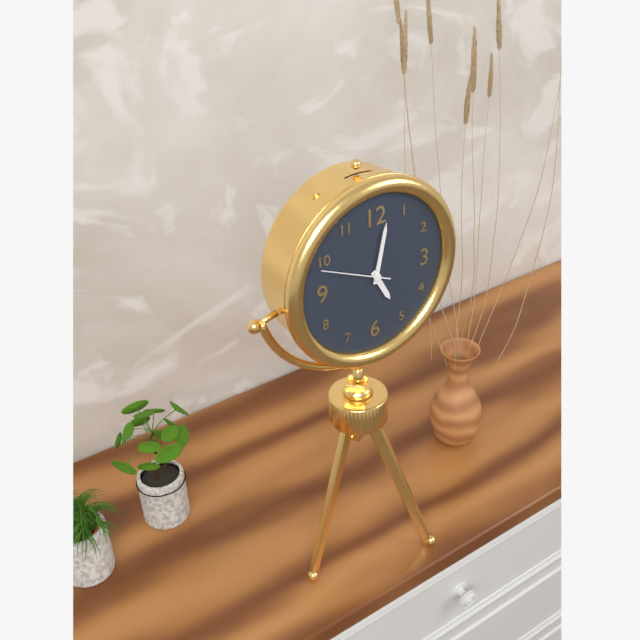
5:02:49
